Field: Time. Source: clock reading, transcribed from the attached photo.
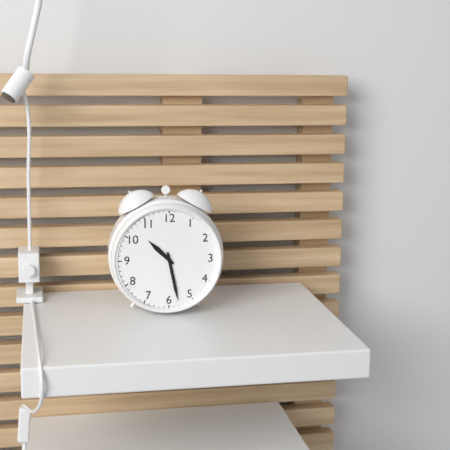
10:28
